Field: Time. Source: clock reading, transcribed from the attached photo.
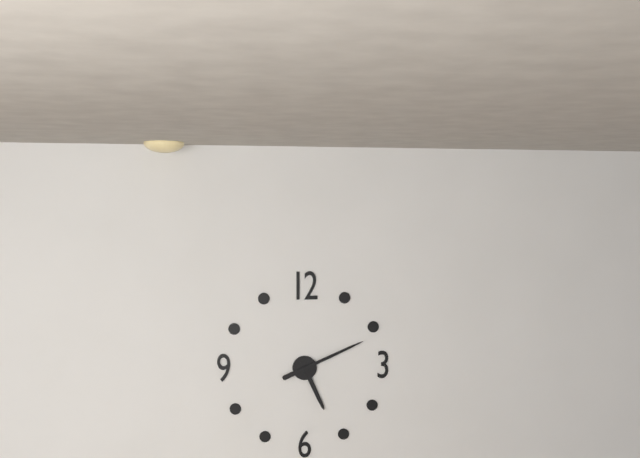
5:11
